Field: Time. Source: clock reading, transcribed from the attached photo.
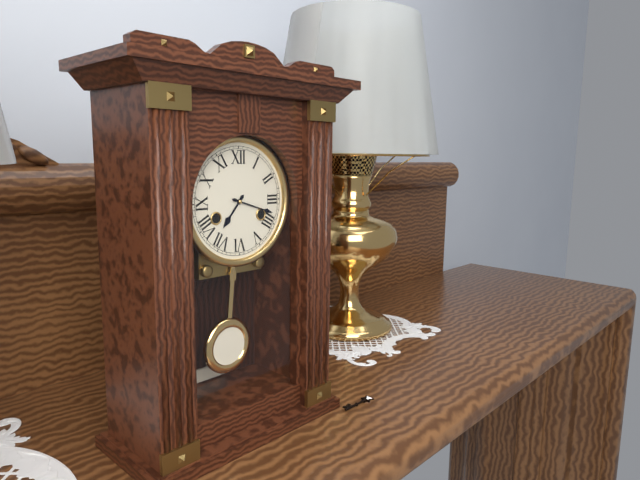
7:18
